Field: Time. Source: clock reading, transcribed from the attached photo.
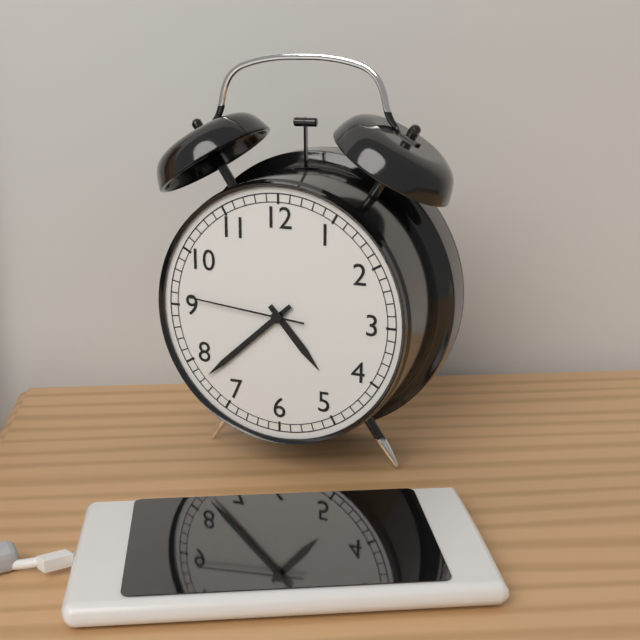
4:38:46
